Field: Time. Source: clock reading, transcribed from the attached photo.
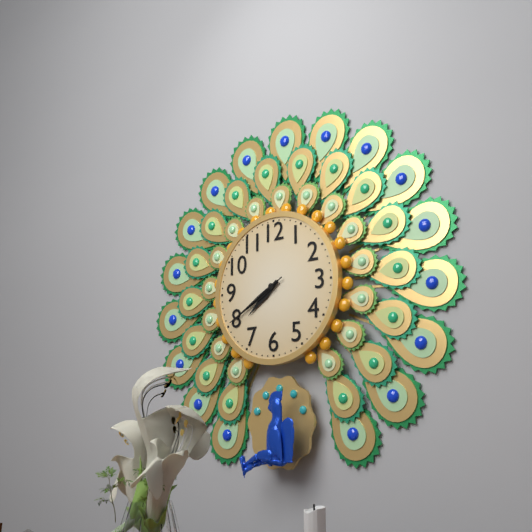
7:40:40
